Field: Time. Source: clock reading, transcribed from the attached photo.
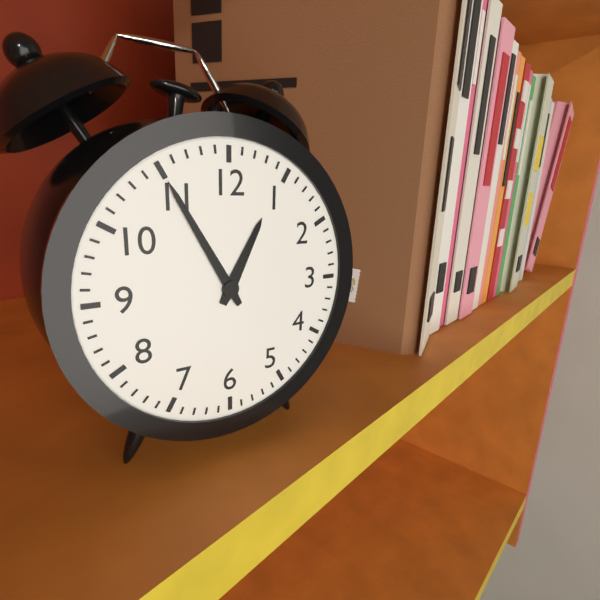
12:55
